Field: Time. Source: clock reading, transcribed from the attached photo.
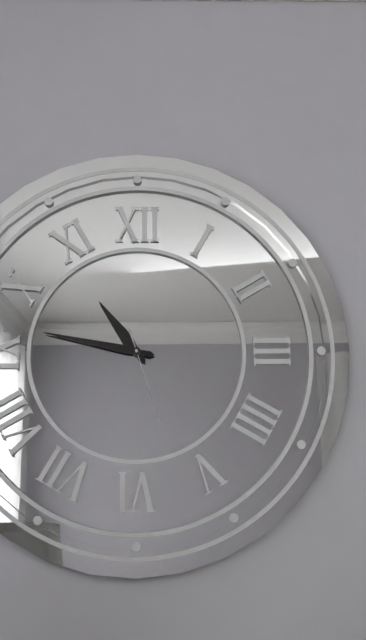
10:47:27
